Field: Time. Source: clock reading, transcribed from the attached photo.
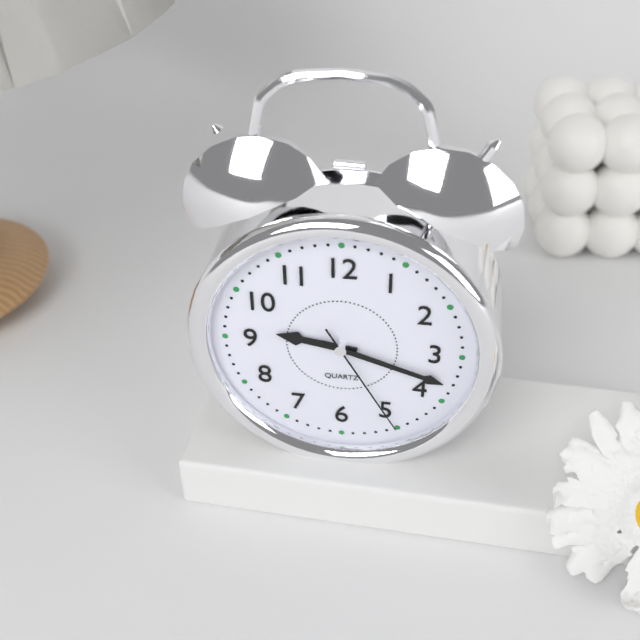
9:18:25
